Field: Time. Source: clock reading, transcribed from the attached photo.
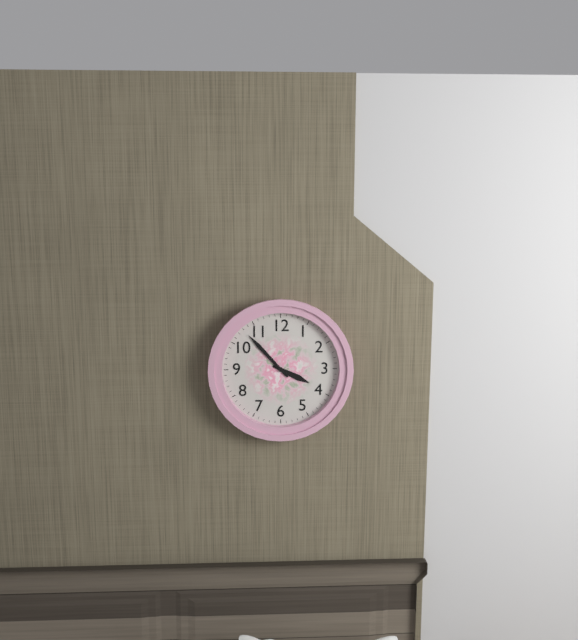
3:53
